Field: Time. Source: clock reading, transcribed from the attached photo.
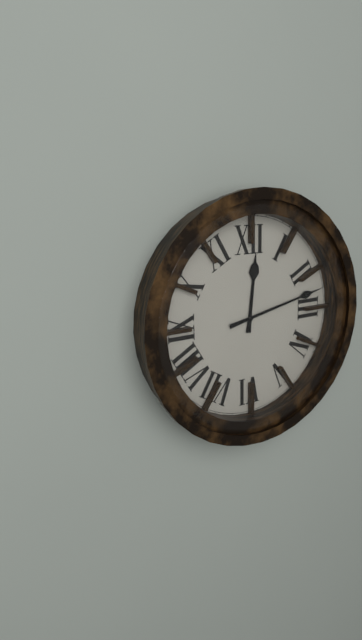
12:13
